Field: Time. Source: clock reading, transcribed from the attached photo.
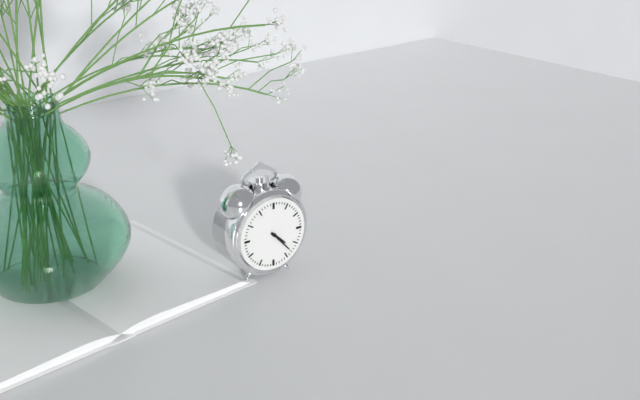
4:23
